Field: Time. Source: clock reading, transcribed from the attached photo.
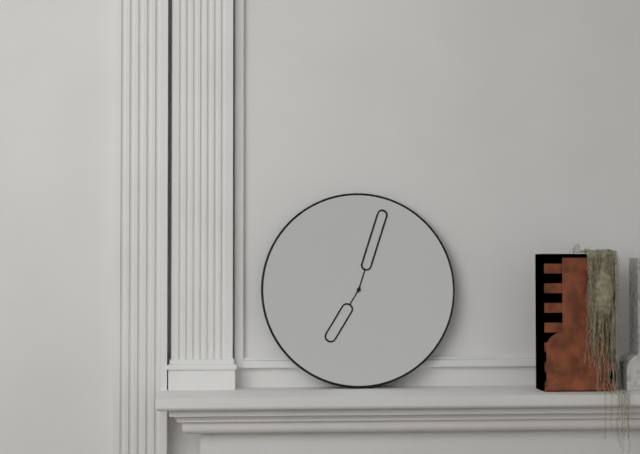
7:03
